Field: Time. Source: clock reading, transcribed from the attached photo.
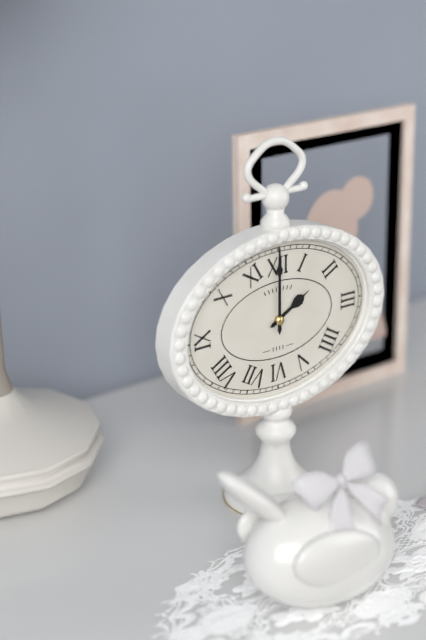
2:00
